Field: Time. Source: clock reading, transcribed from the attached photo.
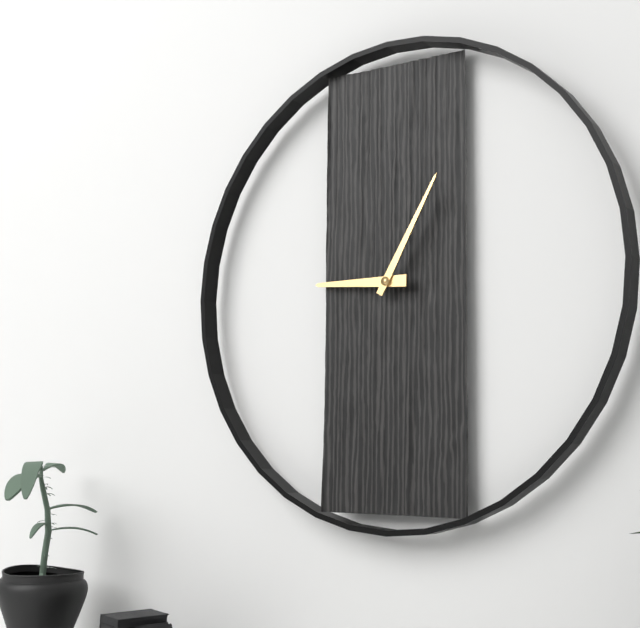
9:05
